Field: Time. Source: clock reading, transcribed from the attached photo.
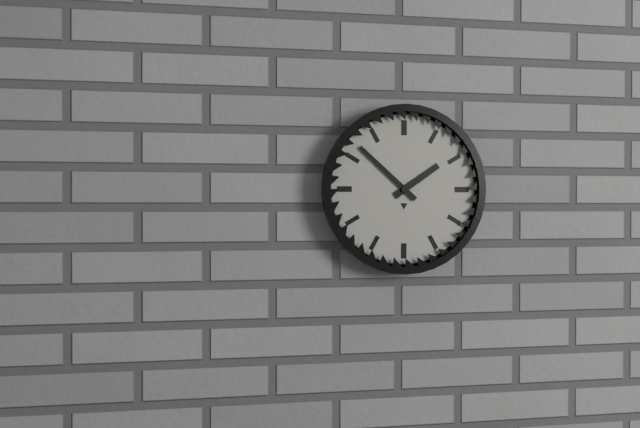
1:52
